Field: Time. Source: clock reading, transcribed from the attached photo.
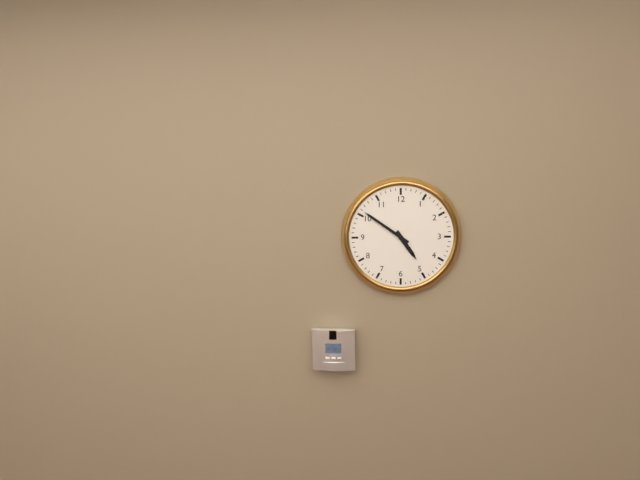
4:51
